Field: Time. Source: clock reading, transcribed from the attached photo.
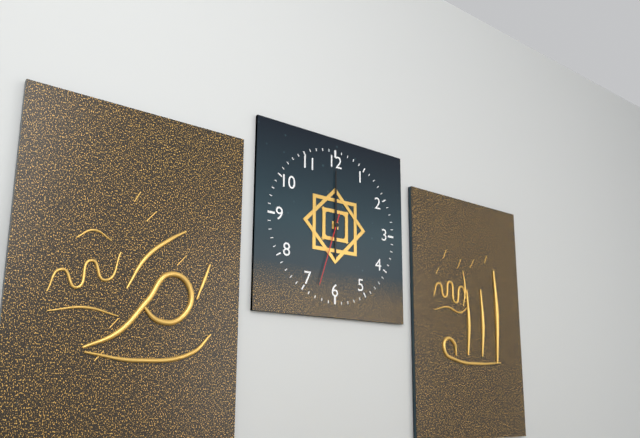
6:00:33
